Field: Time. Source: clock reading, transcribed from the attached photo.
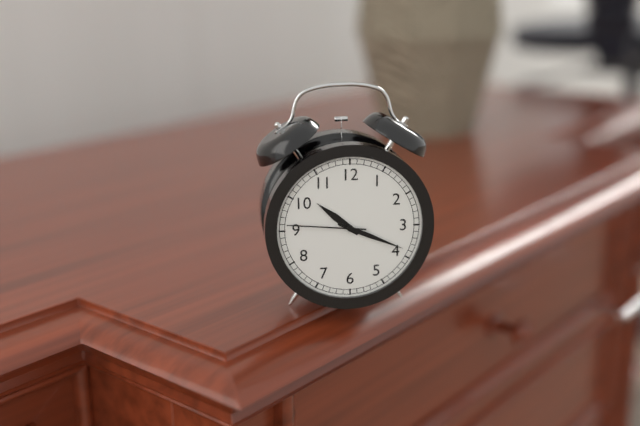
10:19:46
